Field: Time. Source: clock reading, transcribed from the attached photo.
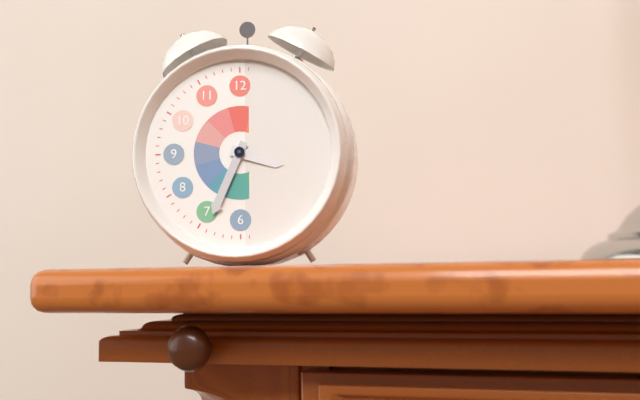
3:34
